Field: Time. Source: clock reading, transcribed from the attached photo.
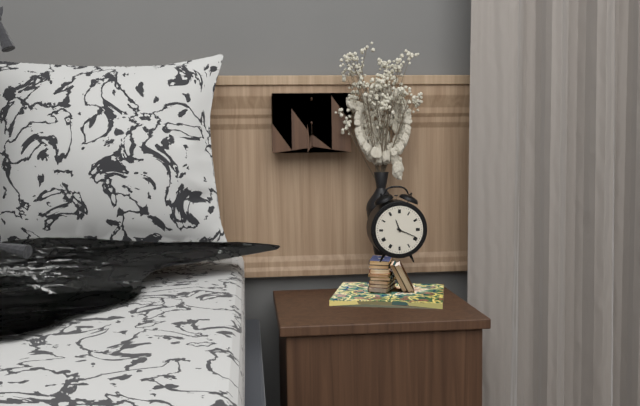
11:19
